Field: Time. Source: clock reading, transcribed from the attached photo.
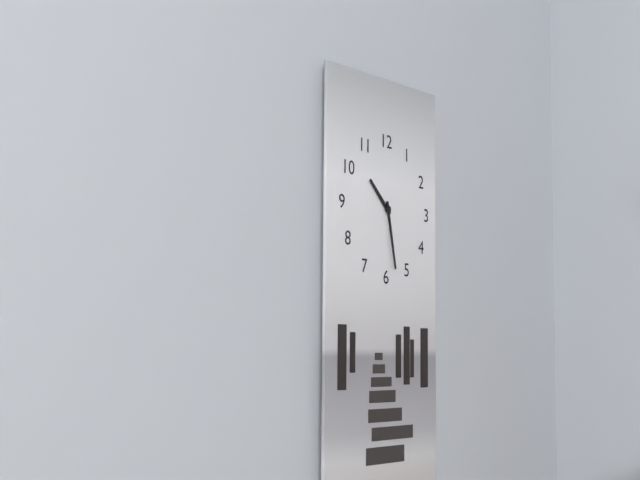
10:28
